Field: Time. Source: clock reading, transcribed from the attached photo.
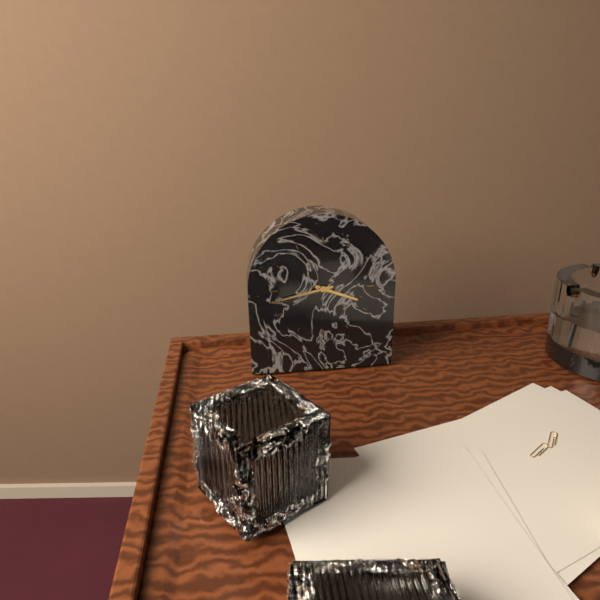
3:43
